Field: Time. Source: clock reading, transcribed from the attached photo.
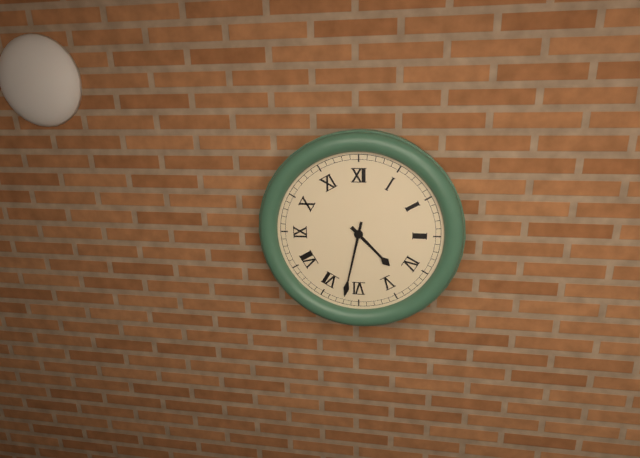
4:32
